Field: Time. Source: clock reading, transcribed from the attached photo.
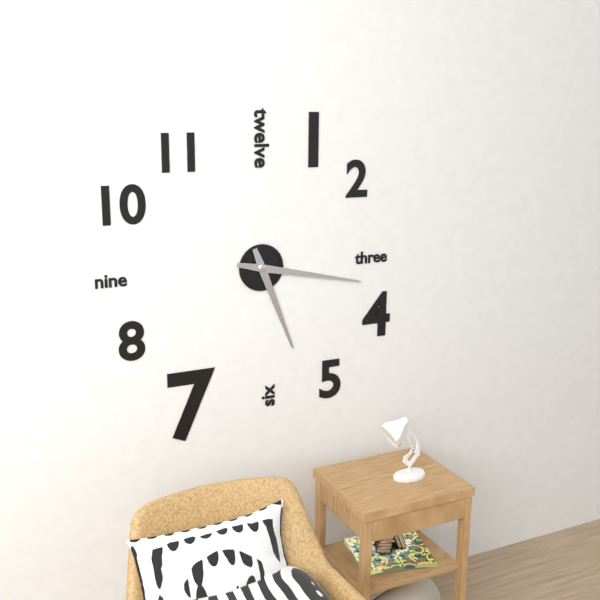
5:17
